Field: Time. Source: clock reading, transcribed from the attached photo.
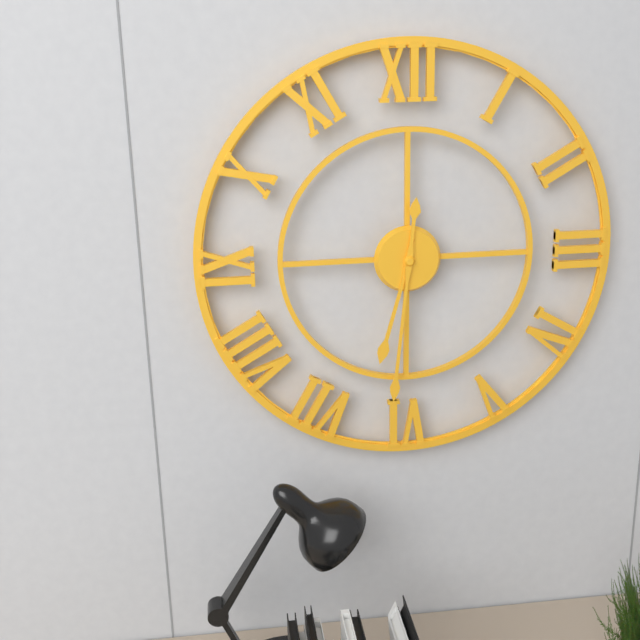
6:31
